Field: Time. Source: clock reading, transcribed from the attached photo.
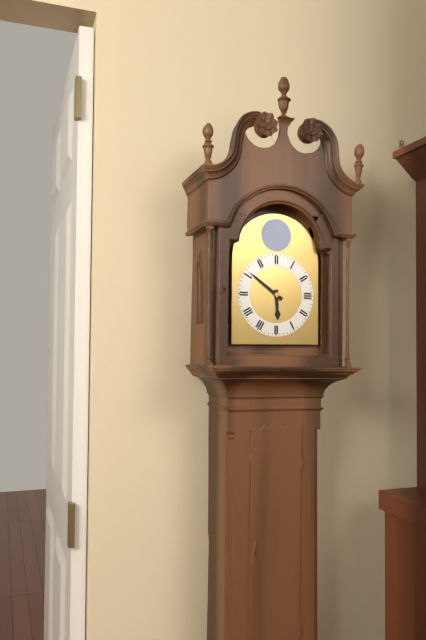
5:51
